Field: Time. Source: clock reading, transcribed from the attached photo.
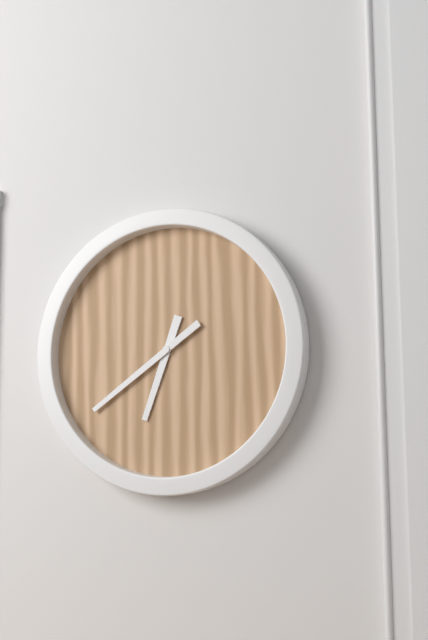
6:39
